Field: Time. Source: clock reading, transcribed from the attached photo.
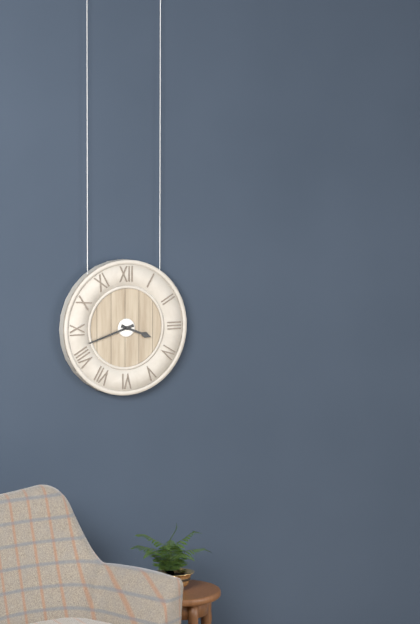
3:42
